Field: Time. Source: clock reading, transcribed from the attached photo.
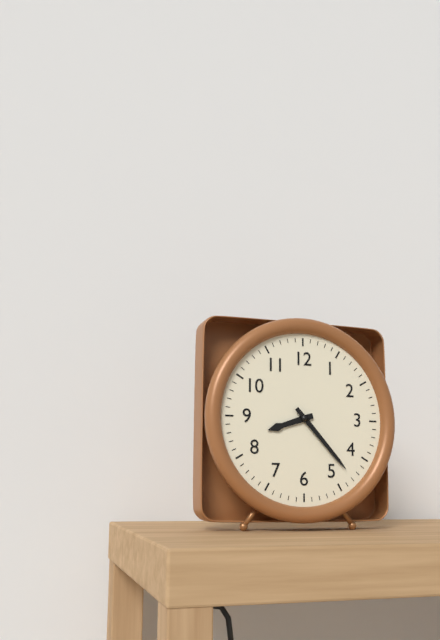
8:23
